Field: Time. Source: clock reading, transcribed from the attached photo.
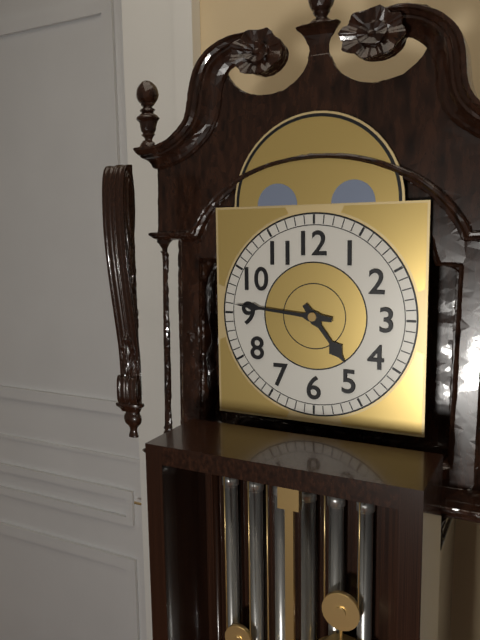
4:46
